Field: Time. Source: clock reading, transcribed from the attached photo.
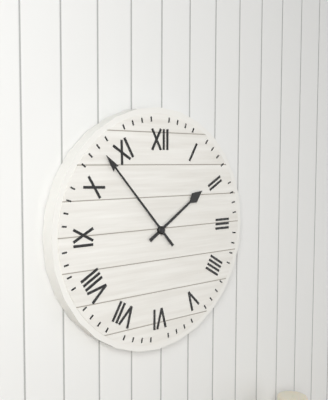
1:53
